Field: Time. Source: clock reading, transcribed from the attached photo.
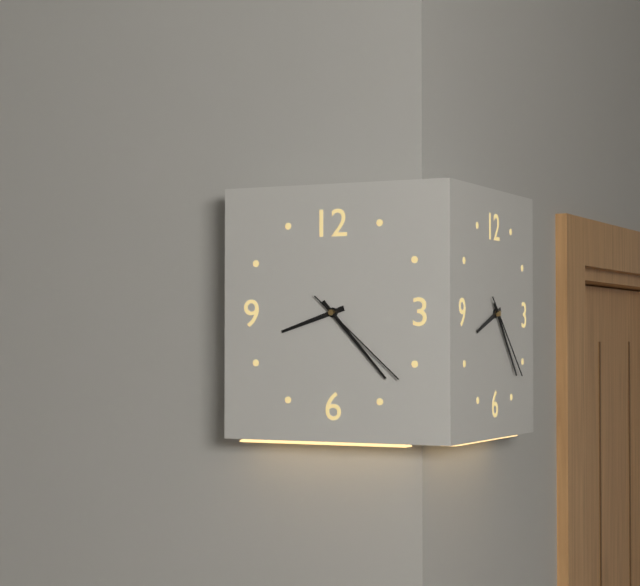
8:23:22
